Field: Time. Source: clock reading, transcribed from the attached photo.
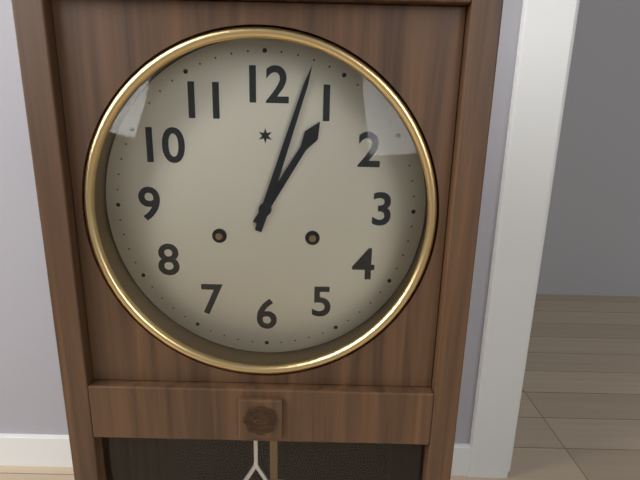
1:03
